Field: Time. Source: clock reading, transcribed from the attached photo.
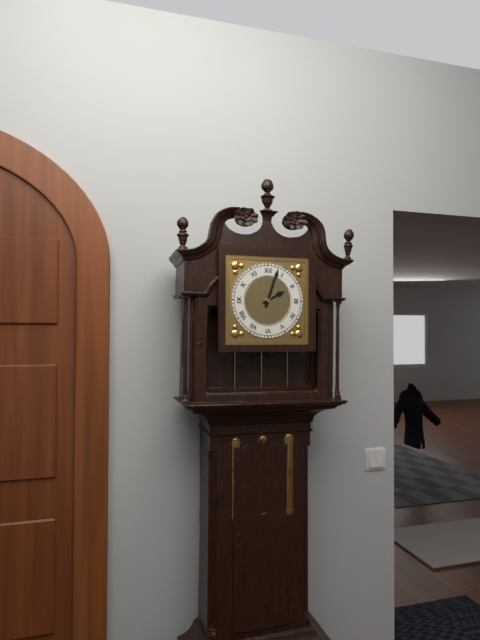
2:03
